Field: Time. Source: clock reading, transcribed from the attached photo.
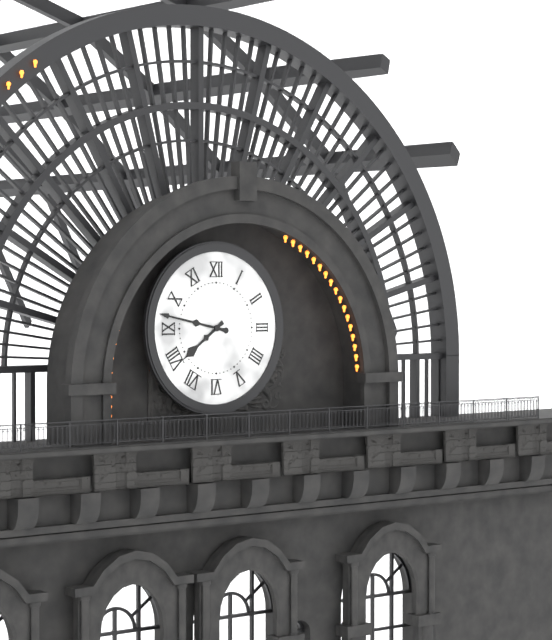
7:47
